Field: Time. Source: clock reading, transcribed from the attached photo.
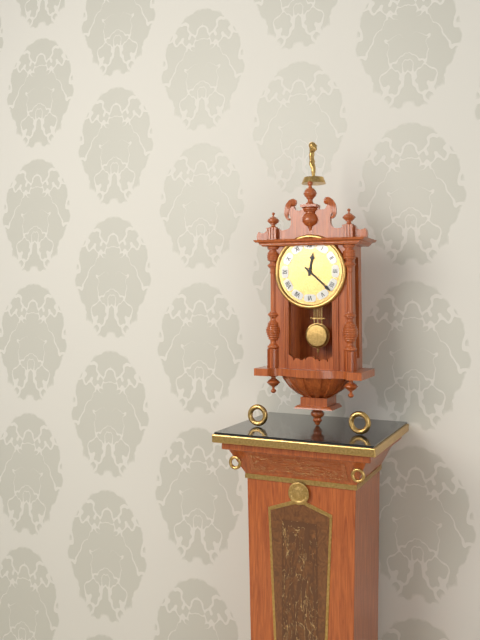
12:22
